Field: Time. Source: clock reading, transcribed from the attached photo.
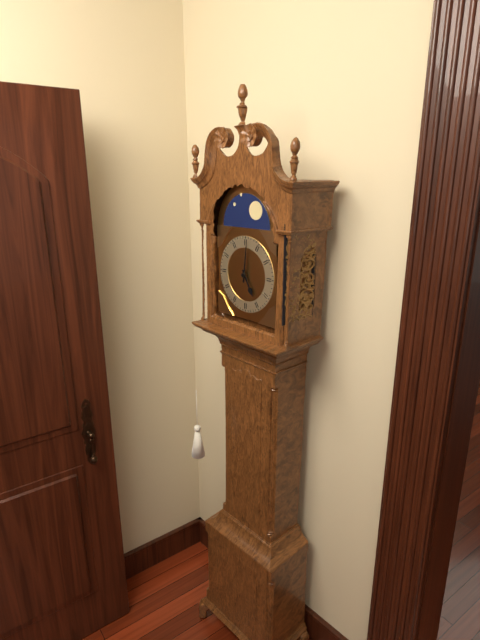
5:01
